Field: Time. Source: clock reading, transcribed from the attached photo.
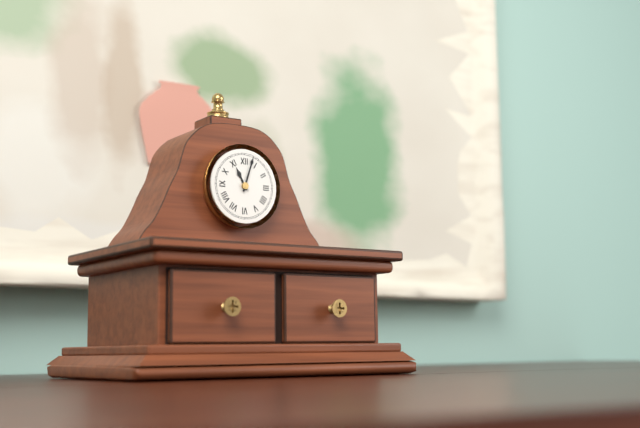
11:03
